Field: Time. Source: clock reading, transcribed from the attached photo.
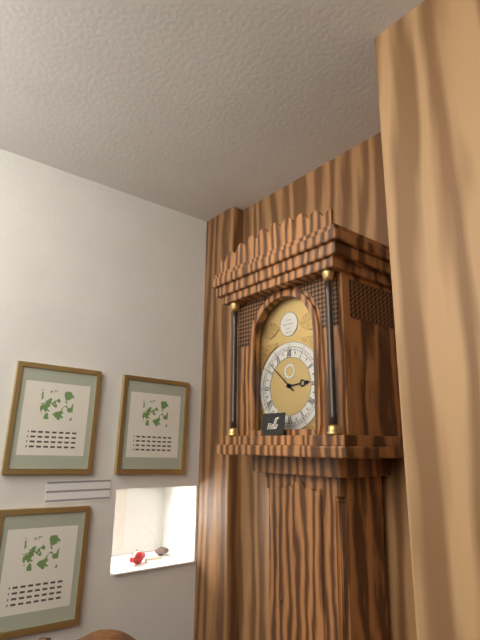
2:52
